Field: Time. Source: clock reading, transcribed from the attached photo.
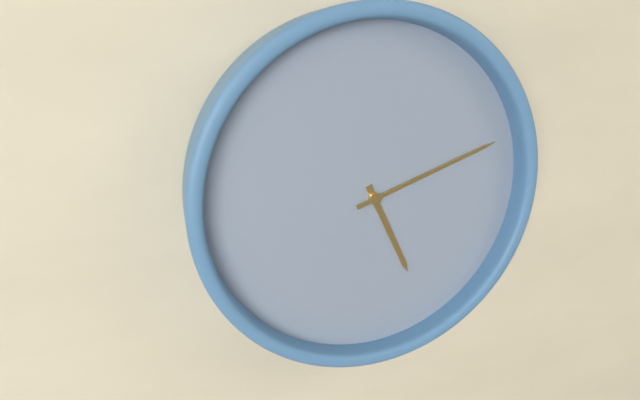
5:12
